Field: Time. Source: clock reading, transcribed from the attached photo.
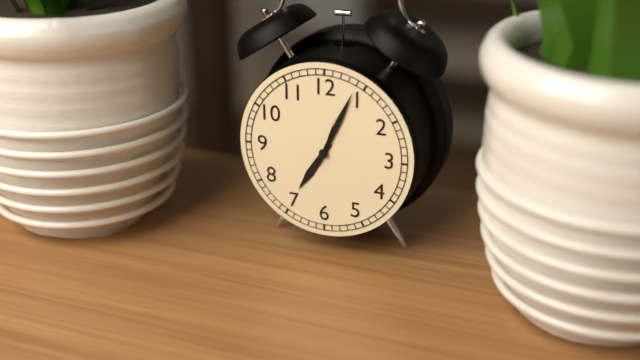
7:04
